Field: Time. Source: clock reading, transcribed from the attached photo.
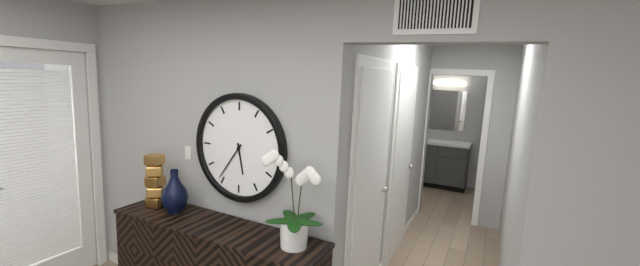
5:36
